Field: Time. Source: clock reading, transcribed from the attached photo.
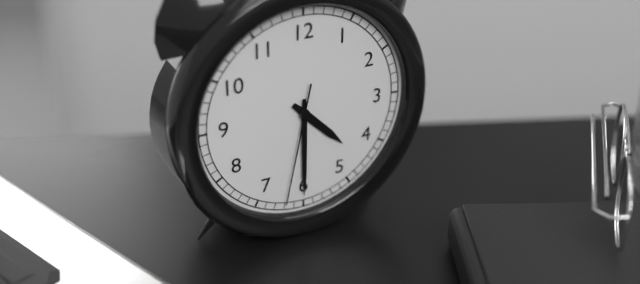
4:30:32
